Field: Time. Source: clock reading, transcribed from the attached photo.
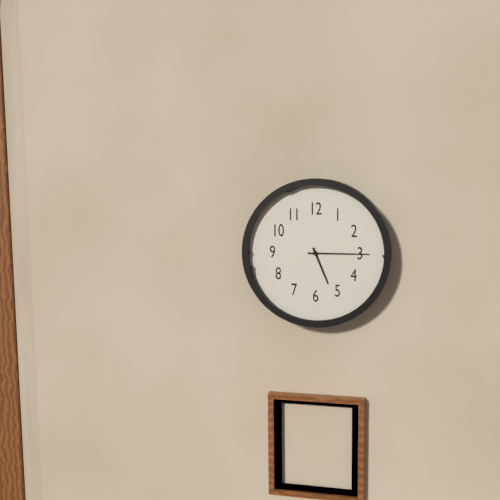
5:15
